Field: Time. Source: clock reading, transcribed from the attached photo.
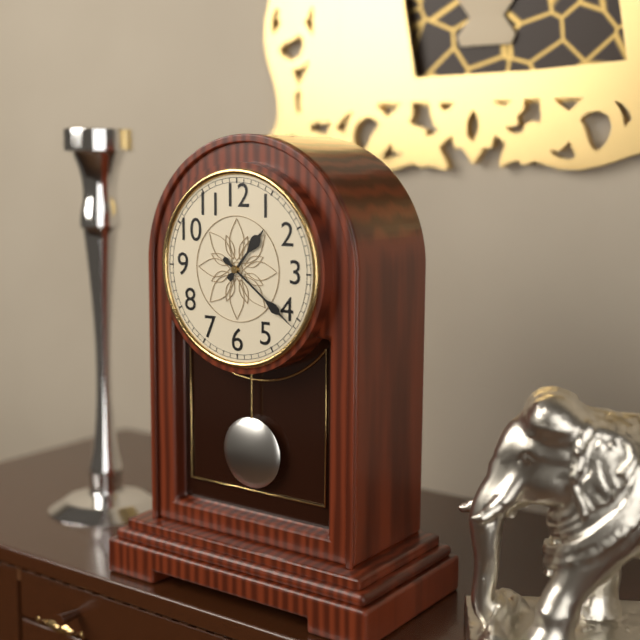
1:21
